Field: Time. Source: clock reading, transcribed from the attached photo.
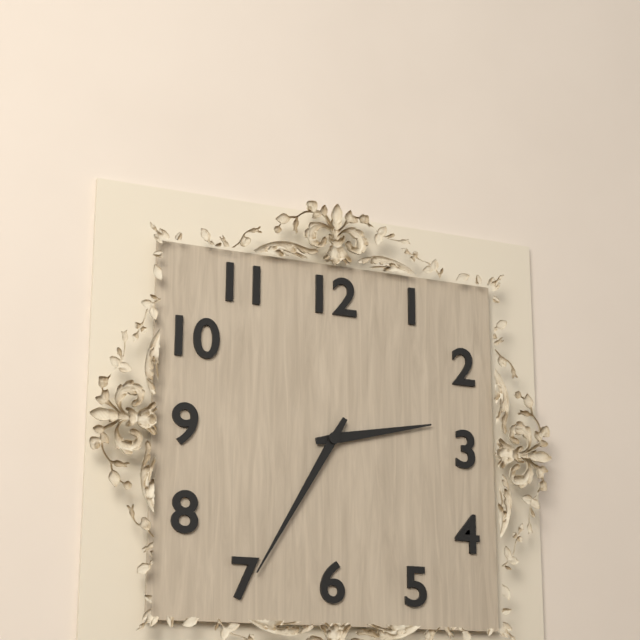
2:35
